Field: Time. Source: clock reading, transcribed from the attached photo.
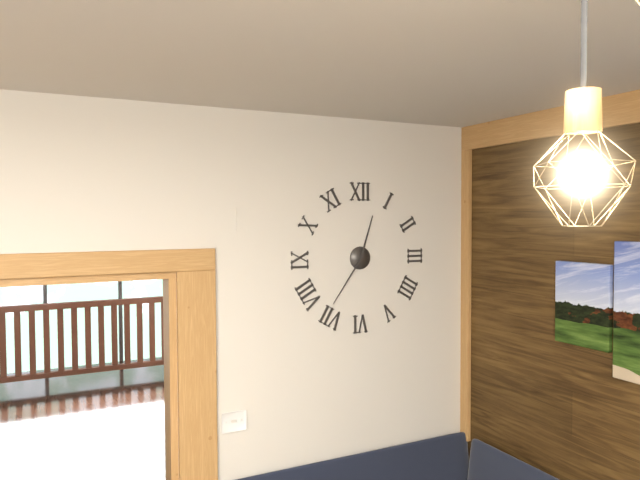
12:36
